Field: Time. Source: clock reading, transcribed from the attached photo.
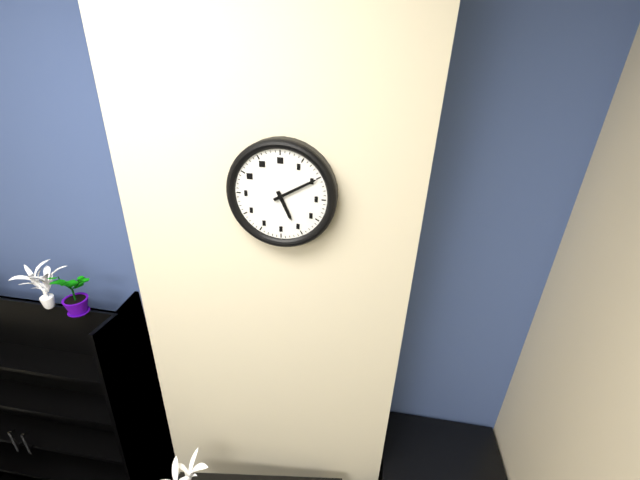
5:10
